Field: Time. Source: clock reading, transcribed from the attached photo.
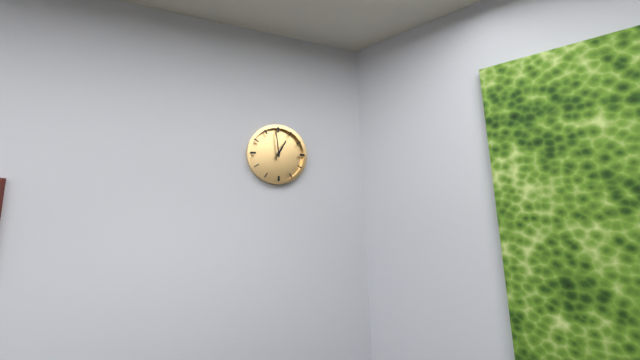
12:59
